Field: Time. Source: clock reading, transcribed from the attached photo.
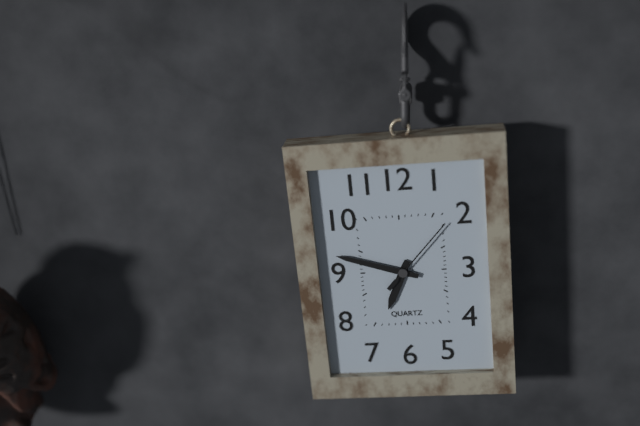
6:48:07
